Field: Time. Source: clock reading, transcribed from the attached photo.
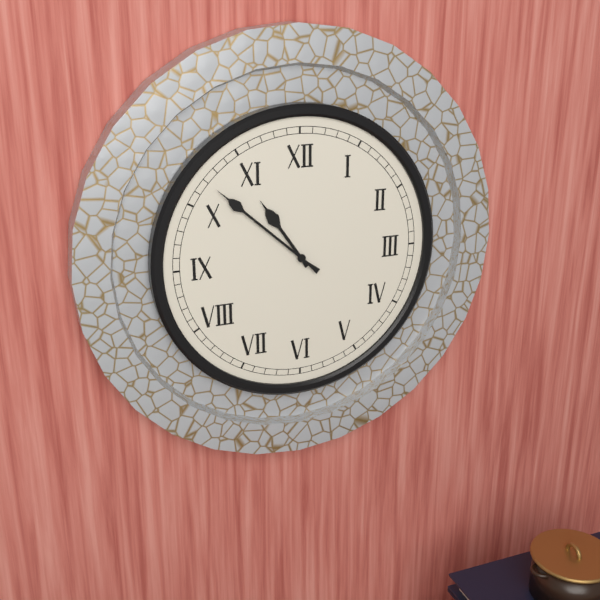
10:52
